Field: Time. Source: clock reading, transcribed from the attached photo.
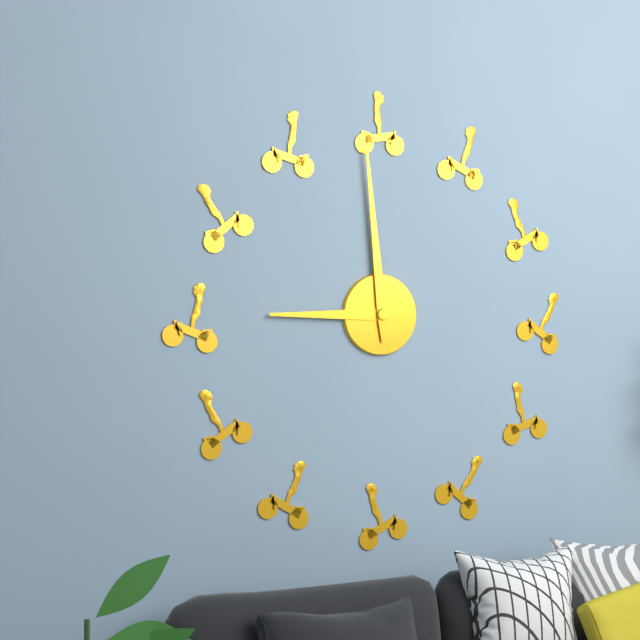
8:59
